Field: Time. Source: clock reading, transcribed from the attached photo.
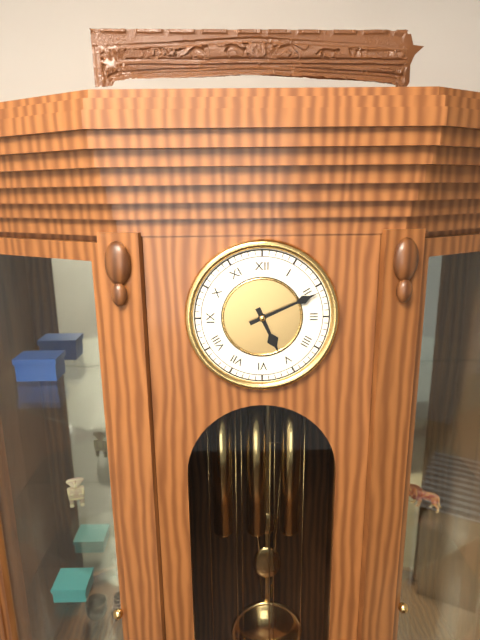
5:11
